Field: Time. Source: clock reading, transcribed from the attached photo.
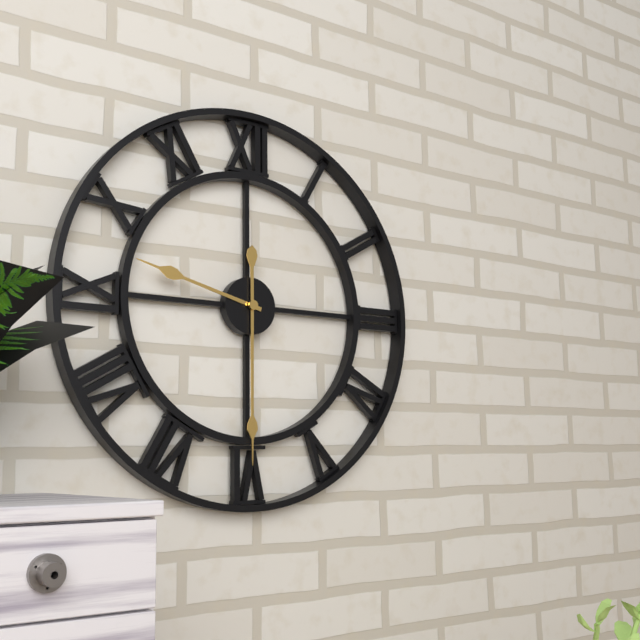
9:30
